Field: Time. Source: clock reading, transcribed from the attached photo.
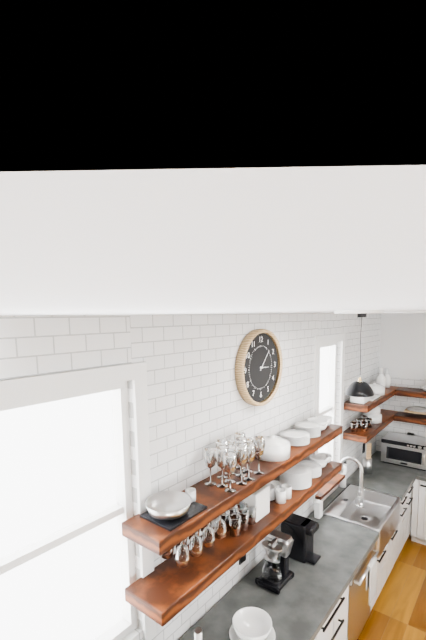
3:07
